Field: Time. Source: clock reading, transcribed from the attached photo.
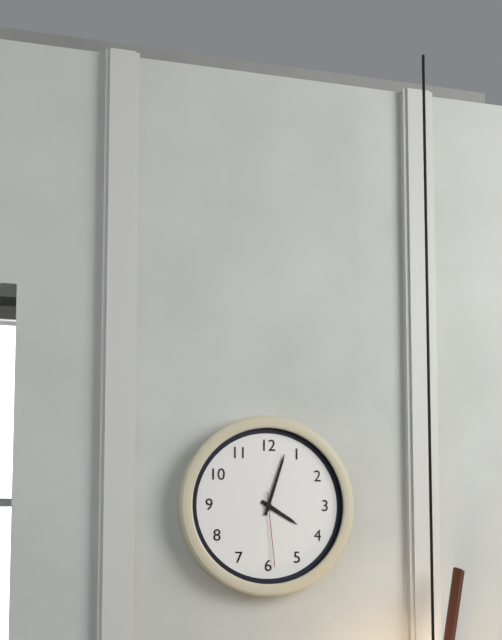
4:03:29
